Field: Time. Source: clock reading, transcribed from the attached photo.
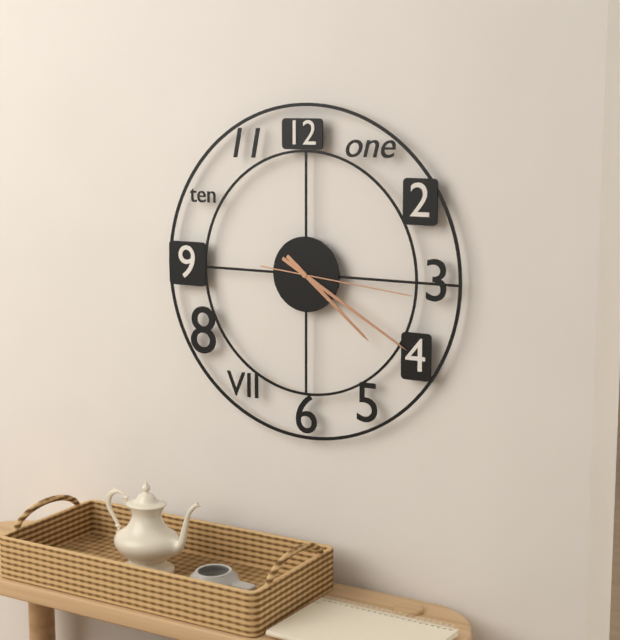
4:20:16
